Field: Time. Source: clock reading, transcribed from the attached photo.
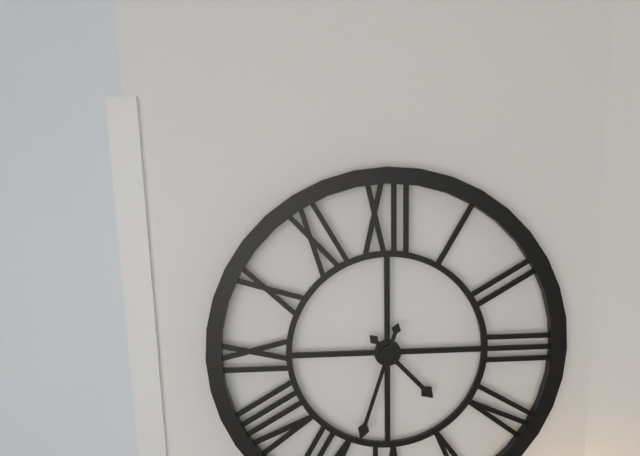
4:33
